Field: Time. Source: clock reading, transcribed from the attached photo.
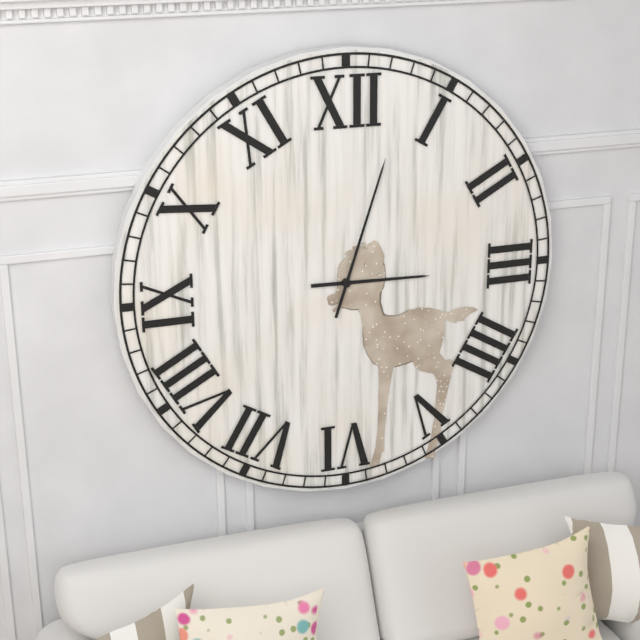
3:03
